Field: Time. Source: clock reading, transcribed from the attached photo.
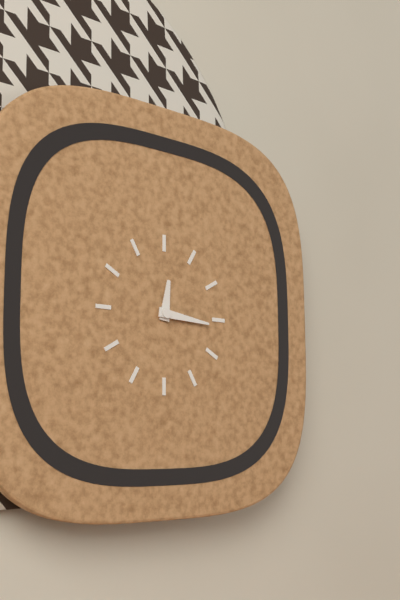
12:16
